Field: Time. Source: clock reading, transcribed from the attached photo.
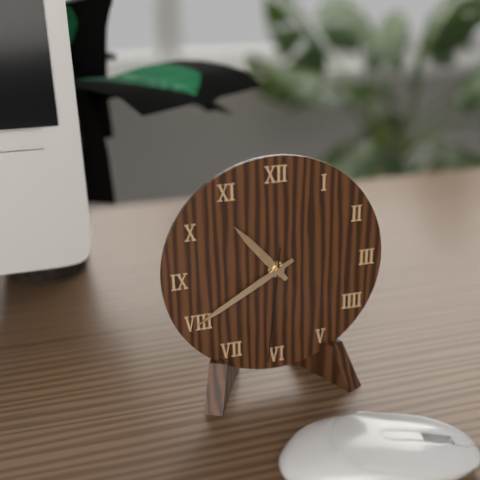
10:40:31
